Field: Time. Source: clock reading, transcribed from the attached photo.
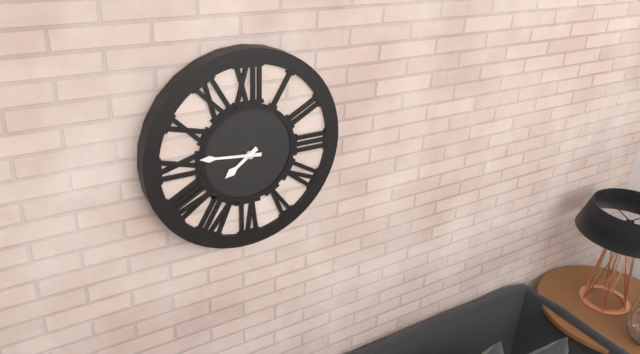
7:46
